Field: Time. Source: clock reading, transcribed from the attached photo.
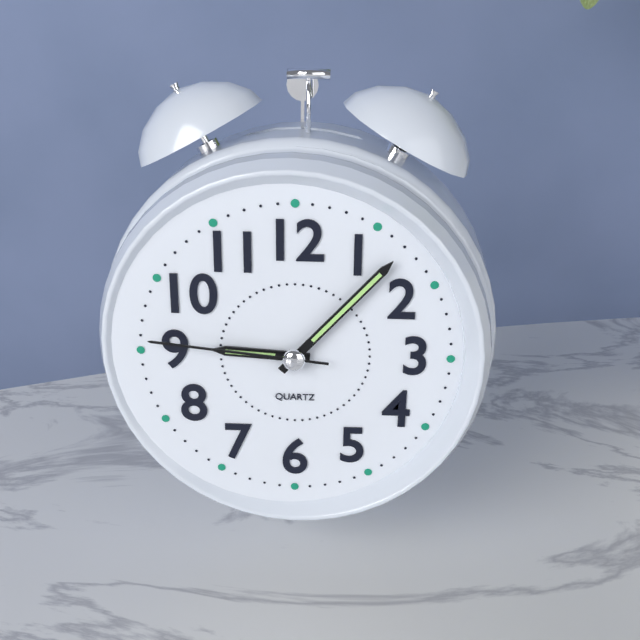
9:07:46
